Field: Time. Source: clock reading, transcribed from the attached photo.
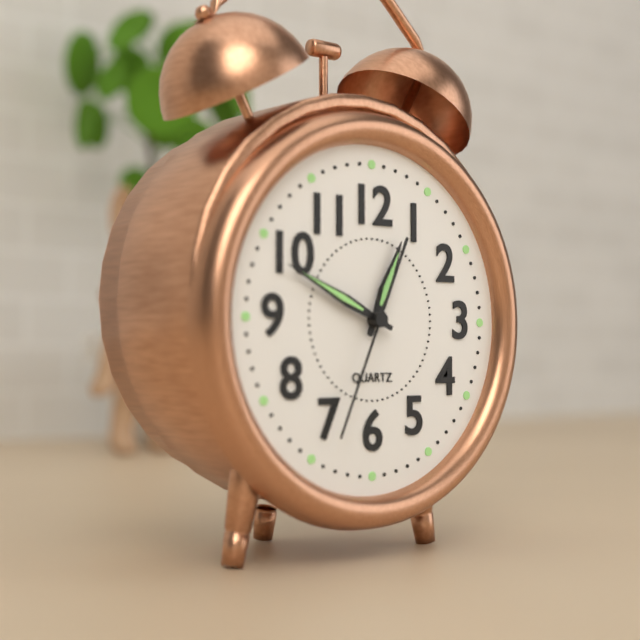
12:49:34
